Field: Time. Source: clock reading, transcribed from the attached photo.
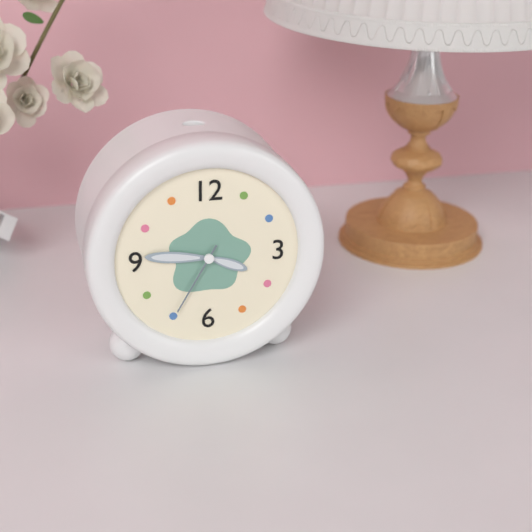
3:46:35
